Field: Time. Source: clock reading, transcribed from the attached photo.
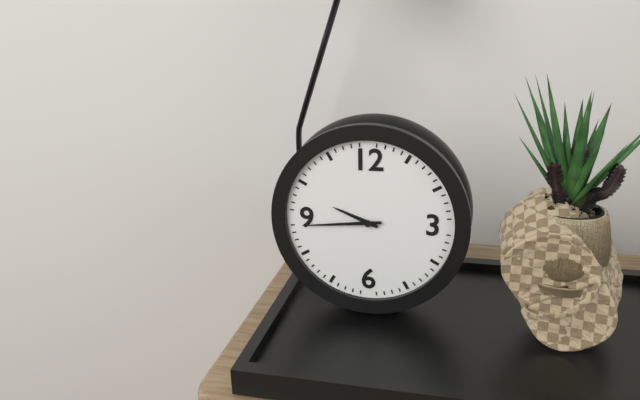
9:44
